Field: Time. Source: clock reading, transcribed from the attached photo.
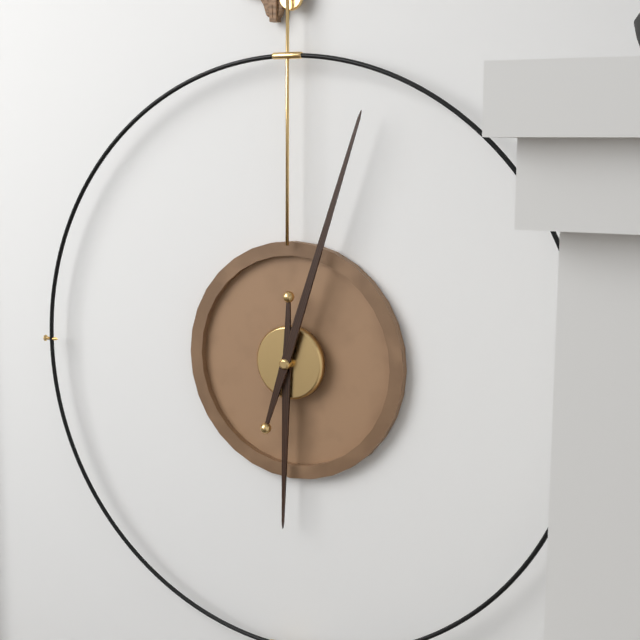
6:03
